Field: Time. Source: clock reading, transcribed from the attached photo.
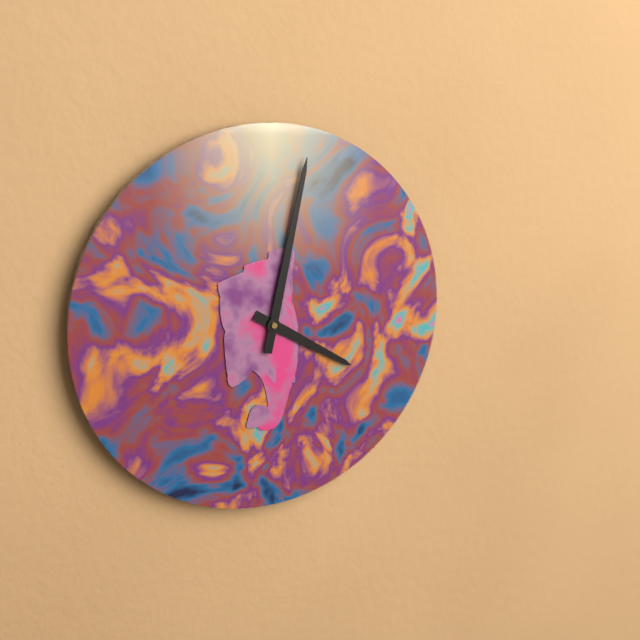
4:02
